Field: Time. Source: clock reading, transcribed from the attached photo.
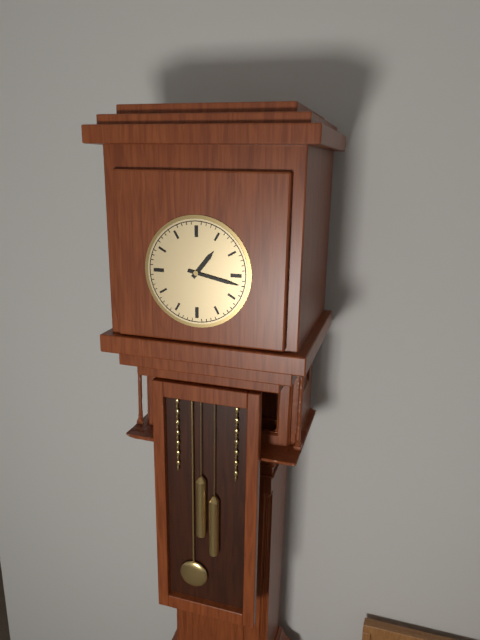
1:17
